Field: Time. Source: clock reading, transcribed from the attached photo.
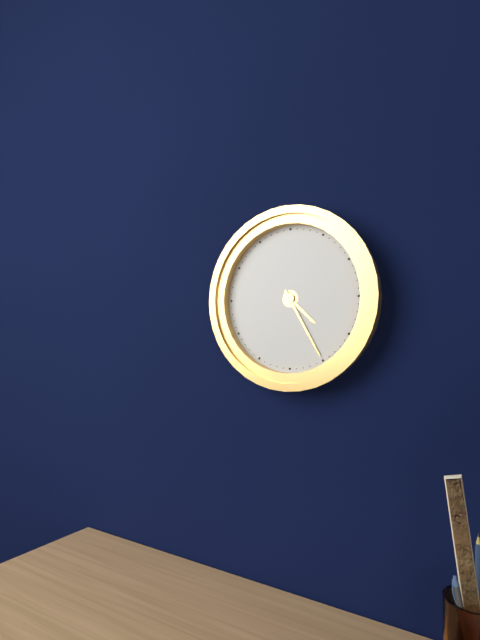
4:25
